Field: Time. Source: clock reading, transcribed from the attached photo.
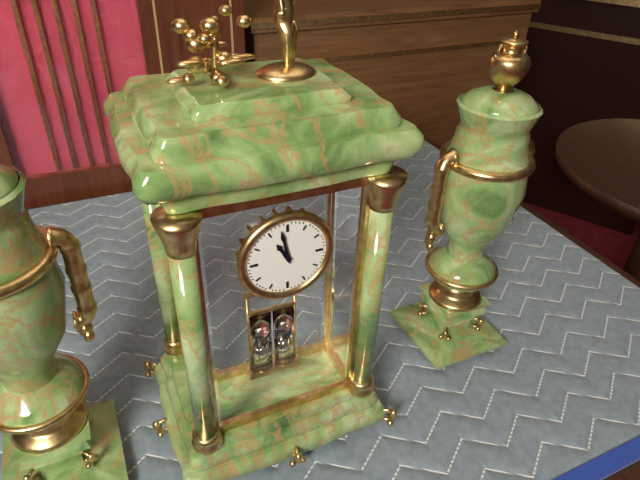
10:58
